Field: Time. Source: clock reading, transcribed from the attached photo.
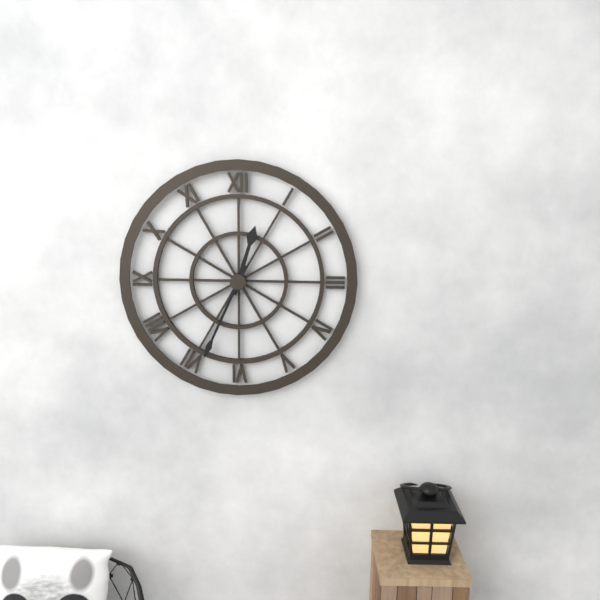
12:34
